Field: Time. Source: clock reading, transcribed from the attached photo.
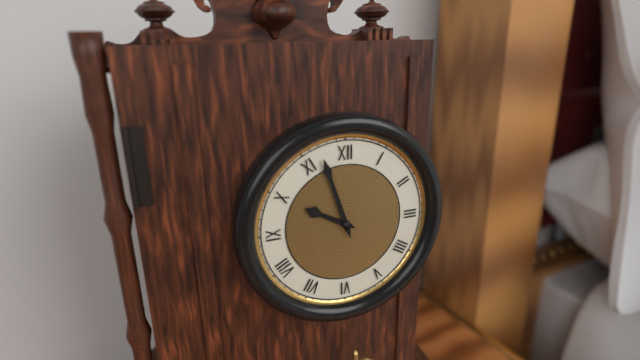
9:57
